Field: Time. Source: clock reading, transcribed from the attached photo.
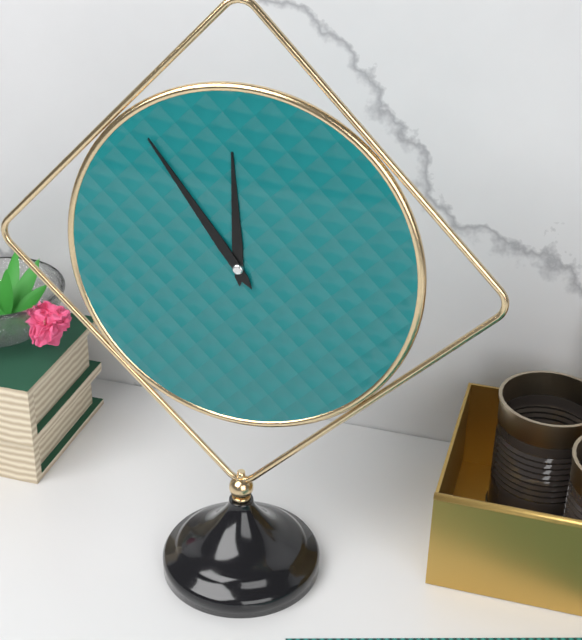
11:54
